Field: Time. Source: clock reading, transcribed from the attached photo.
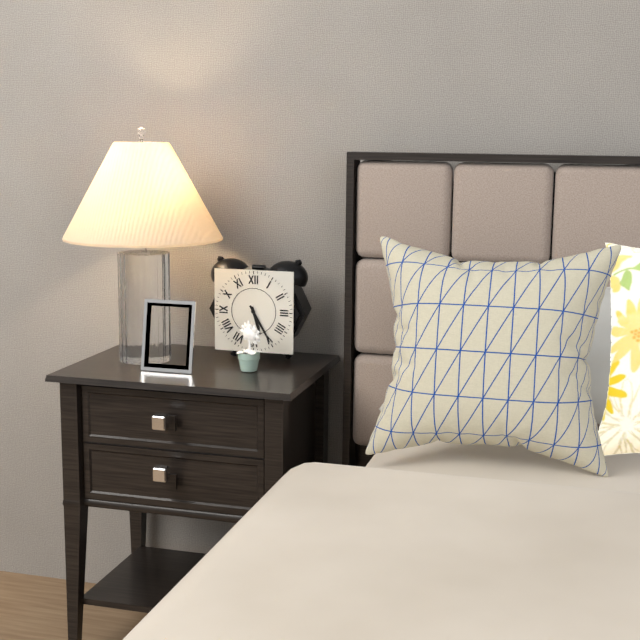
5:25
